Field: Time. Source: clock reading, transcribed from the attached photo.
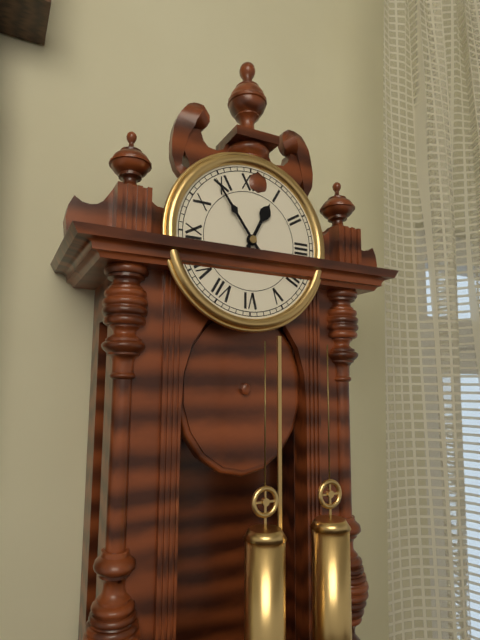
12:54
